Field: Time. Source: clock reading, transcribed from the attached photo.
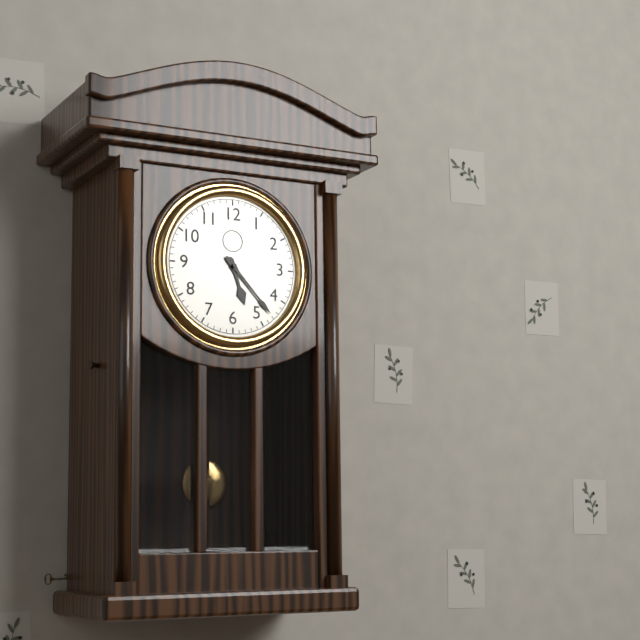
5:23
